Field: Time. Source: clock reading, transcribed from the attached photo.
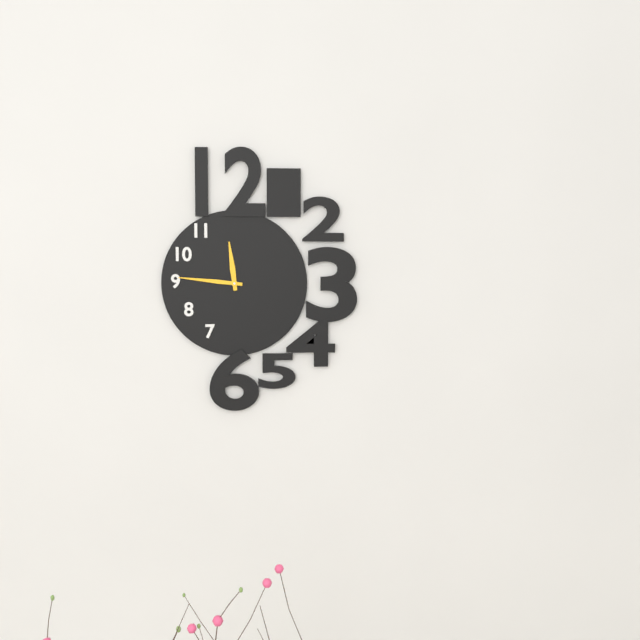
11:46
